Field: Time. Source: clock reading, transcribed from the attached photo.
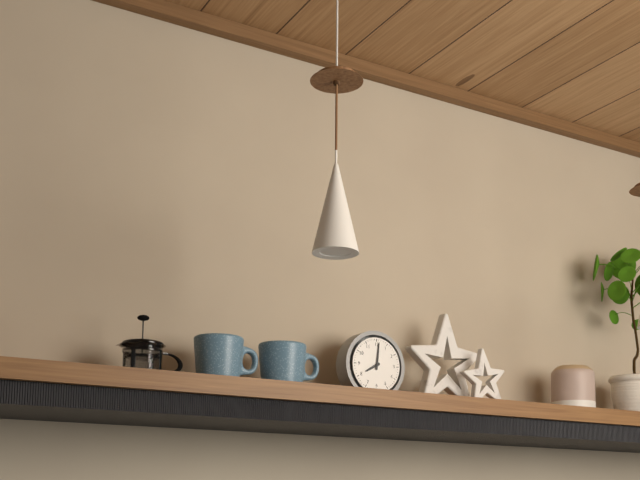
8:01
